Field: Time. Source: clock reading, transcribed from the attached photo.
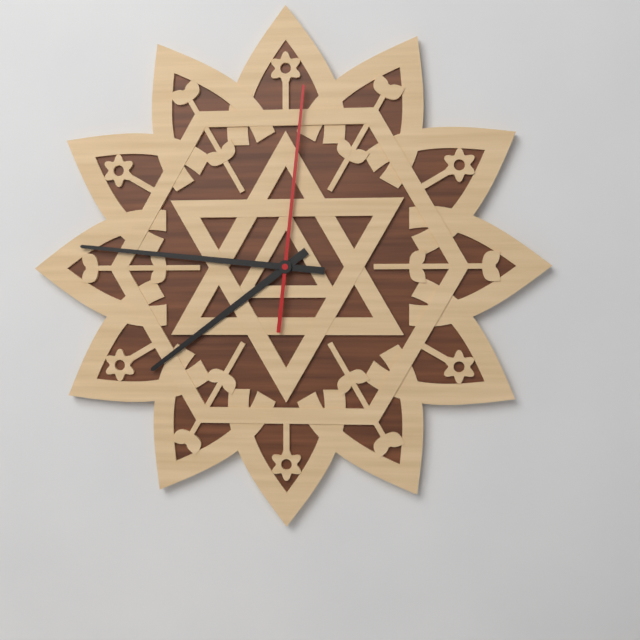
7:46:01
